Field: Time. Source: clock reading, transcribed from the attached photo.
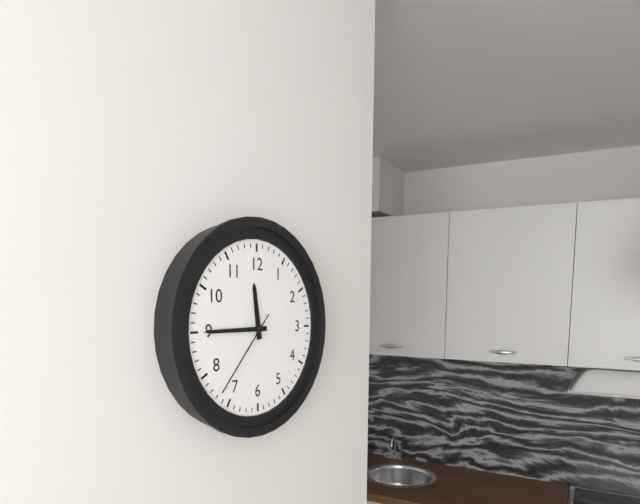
11:45:37
